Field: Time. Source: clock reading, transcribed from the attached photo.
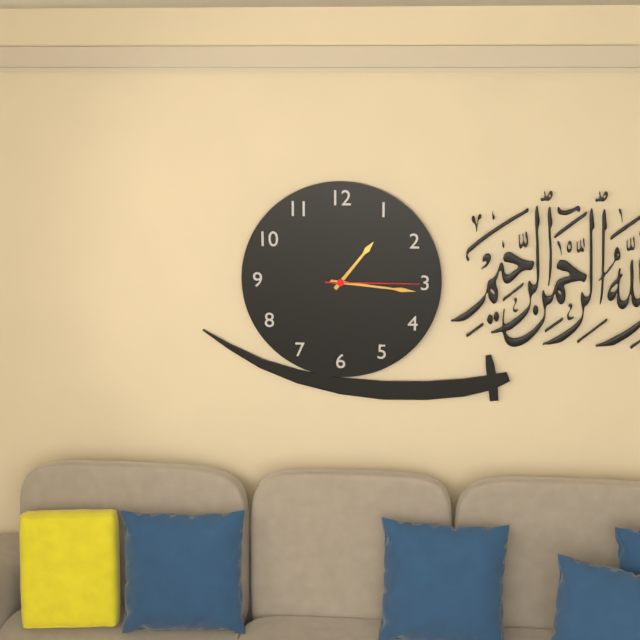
1:16:15
